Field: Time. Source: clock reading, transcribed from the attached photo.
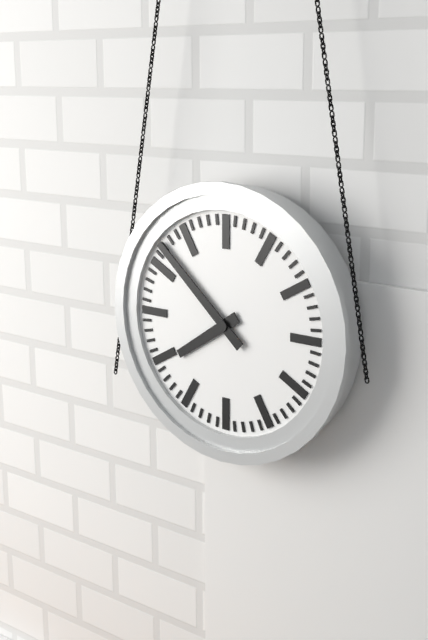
7:52
